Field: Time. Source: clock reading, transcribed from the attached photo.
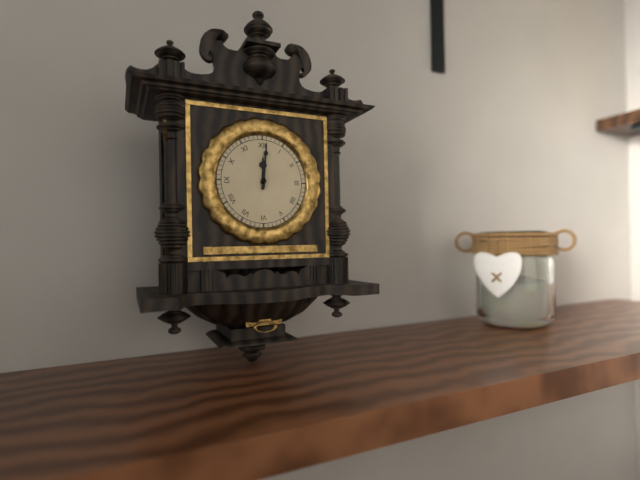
12:01
